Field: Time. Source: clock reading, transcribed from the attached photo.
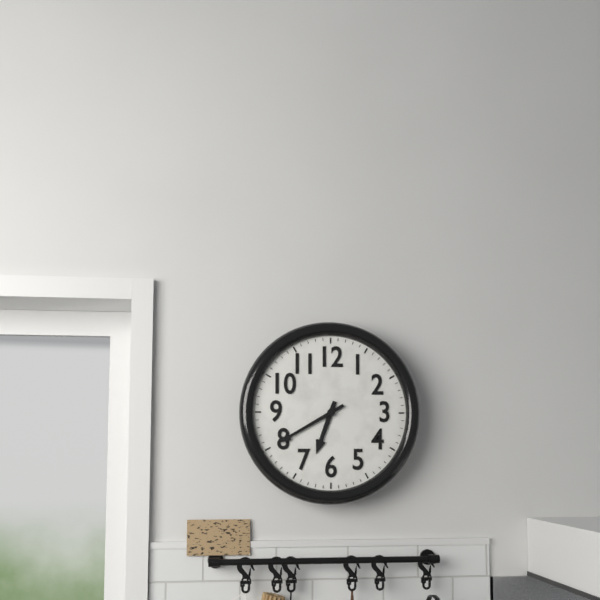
6:40
